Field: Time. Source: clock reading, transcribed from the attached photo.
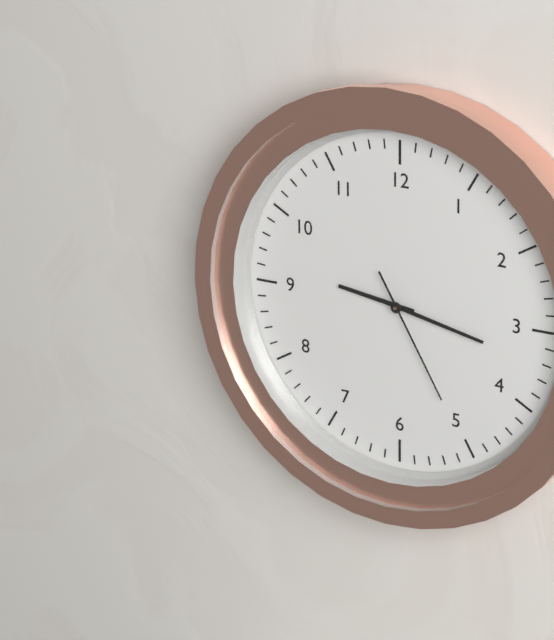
9:17:25
